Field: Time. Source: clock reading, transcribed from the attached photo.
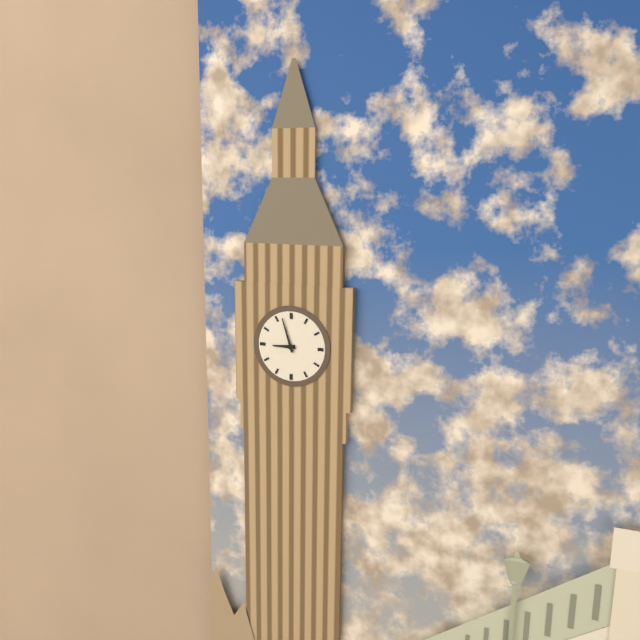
8:57
